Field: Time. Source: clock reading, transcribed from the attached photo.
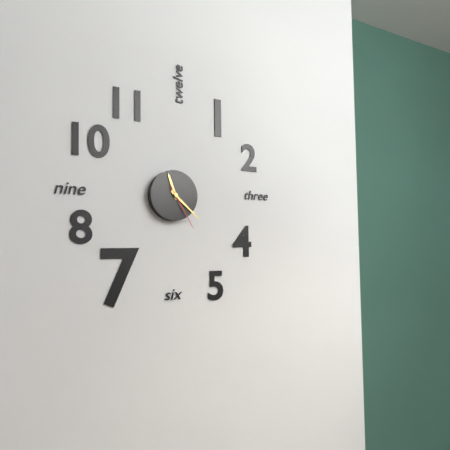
11:22
